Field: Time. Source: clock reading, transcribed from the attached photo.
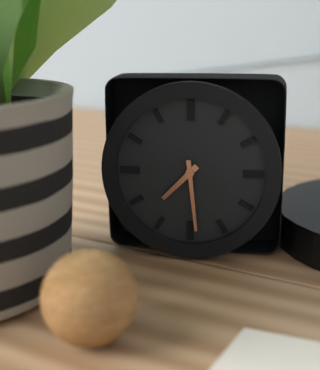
7:29
